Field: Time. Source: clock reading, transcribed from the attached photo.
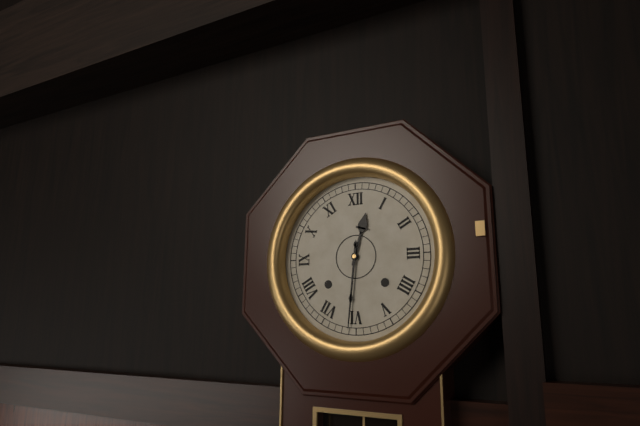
12:31
